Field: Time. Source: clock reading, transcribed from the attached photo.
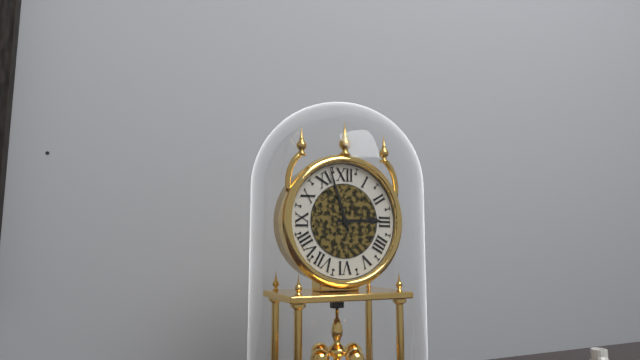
2:57
